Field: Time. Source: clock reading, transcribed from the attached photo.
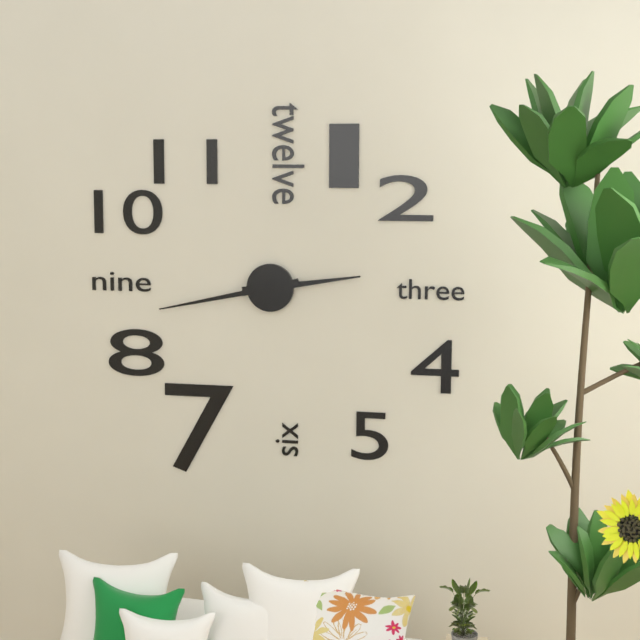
2:43
